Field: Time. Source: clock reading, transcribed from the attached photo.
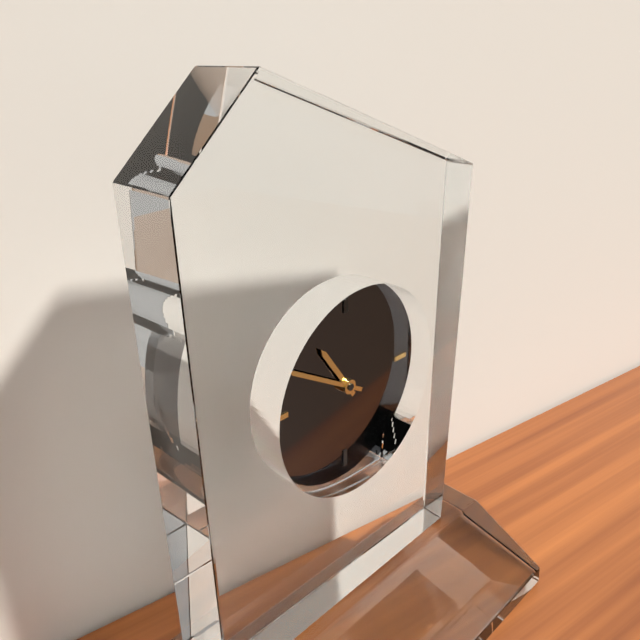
10:50
